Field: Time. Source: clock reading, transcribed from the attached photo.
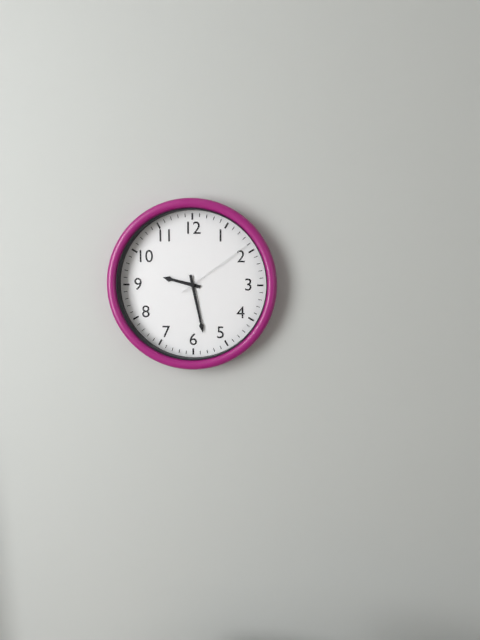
9:28:09
